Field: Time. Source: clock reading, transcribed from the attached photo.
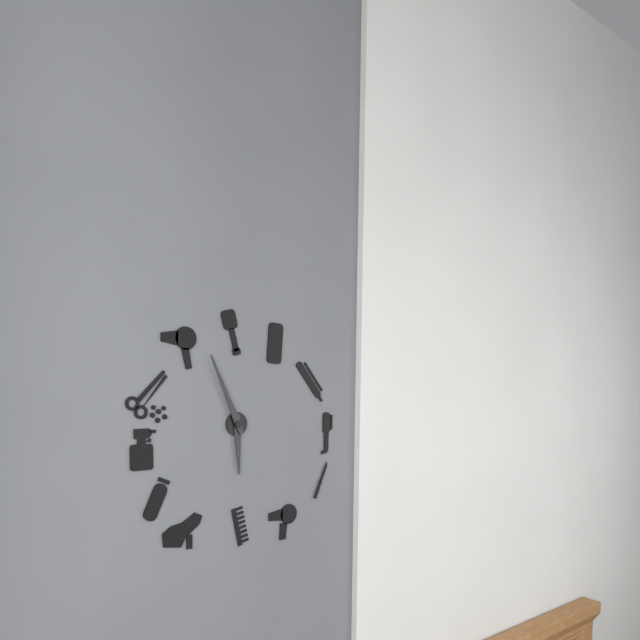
5:56
